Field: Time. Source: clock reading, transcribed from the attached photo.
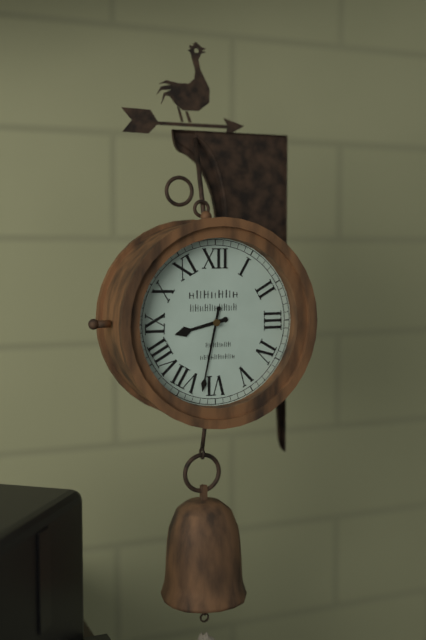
8:32
